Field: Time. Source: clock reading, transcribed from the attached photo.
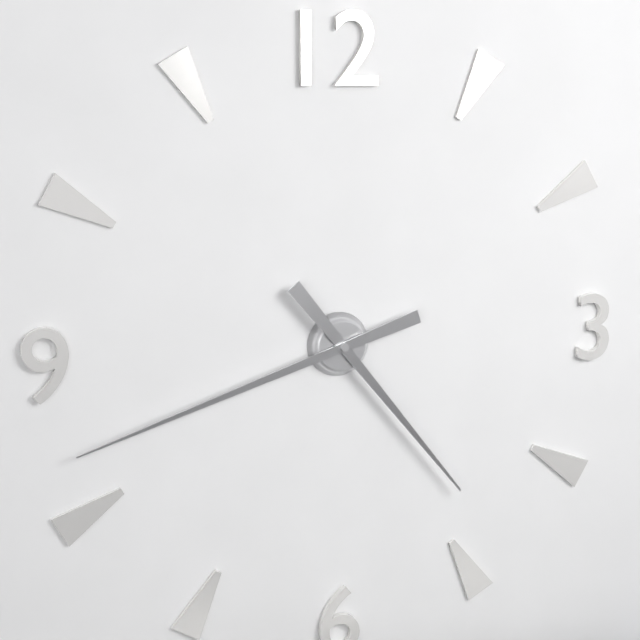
4:42
